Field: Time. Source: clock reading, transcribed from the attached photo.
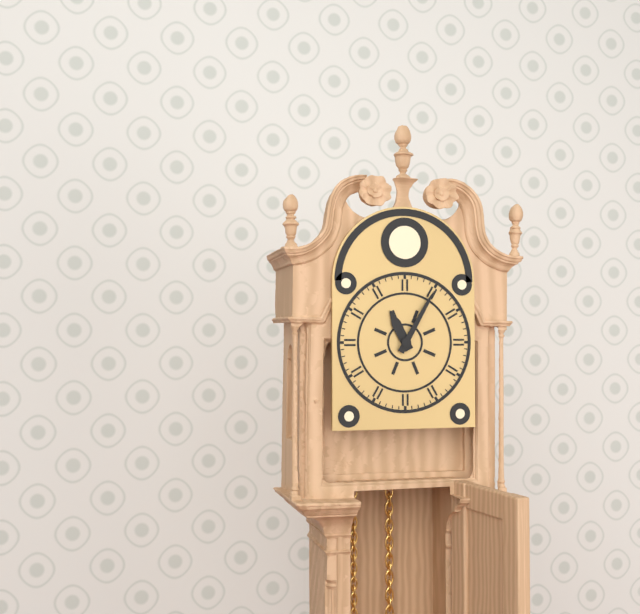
11:05
